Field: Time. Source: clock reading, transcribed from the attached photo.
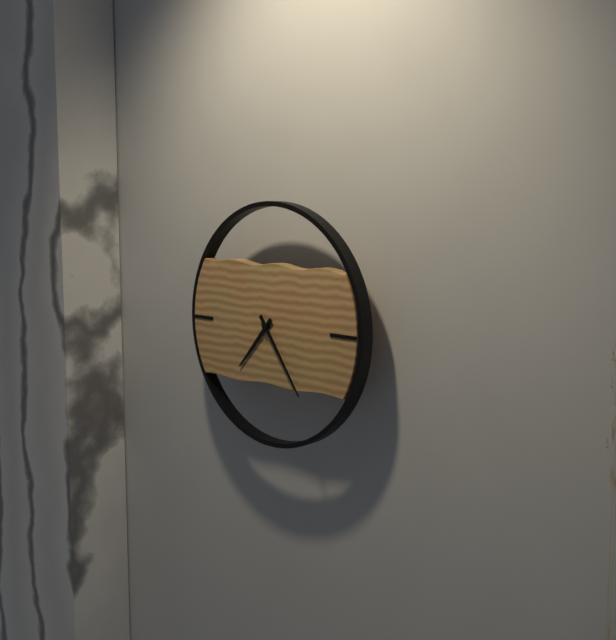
7:24
